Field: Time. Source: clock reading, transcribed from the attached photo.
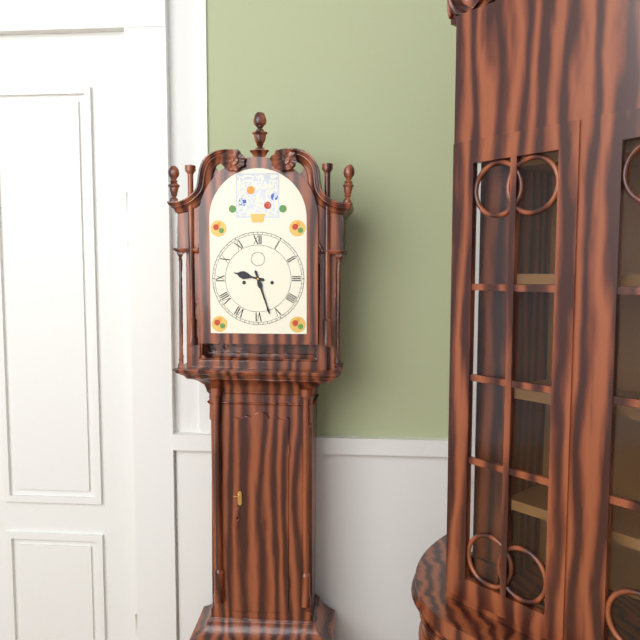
9:27
